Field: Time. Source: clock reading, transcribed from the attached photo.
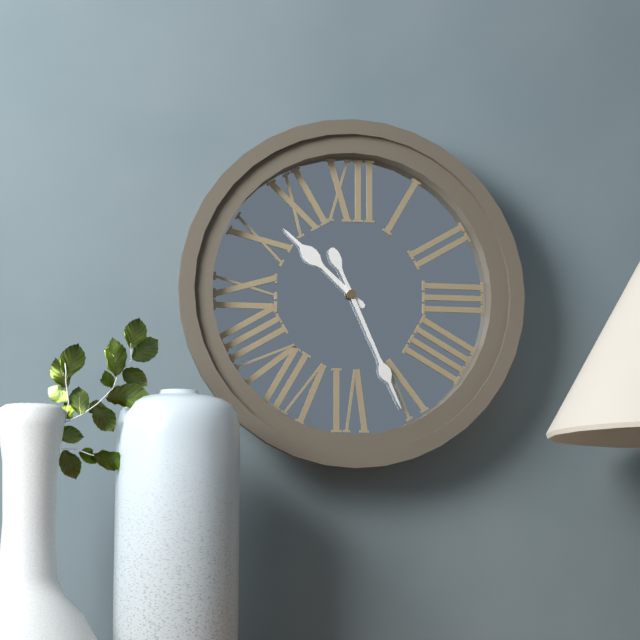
10:26
